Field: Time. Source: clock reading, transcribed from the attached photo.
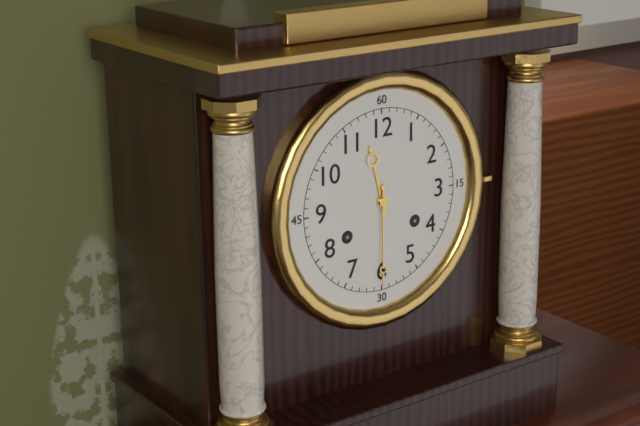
11:30
